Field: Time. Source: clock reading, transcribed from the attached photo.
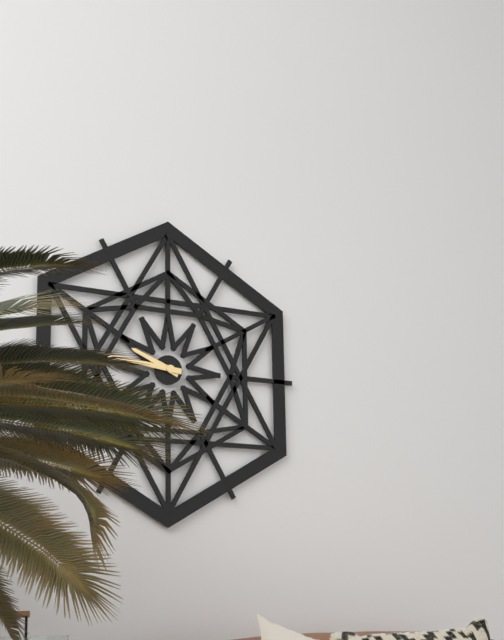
9:46
